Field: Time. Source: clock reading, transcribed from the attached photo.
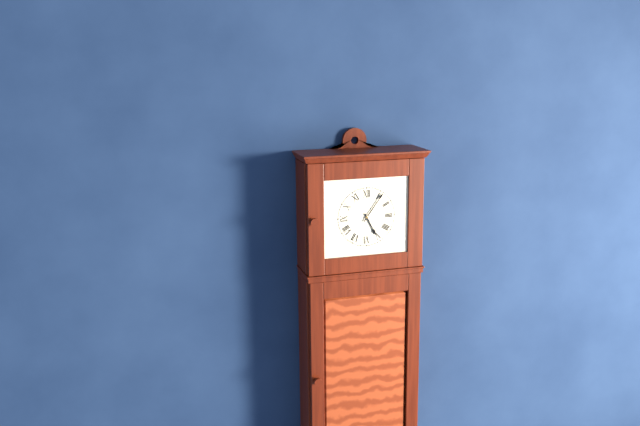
5:06
